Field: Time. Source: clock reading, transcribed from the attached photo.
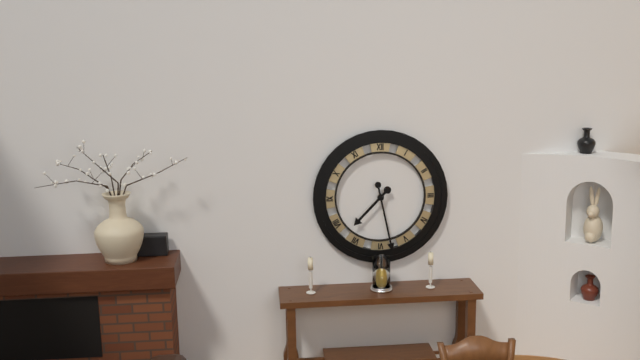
7:28
